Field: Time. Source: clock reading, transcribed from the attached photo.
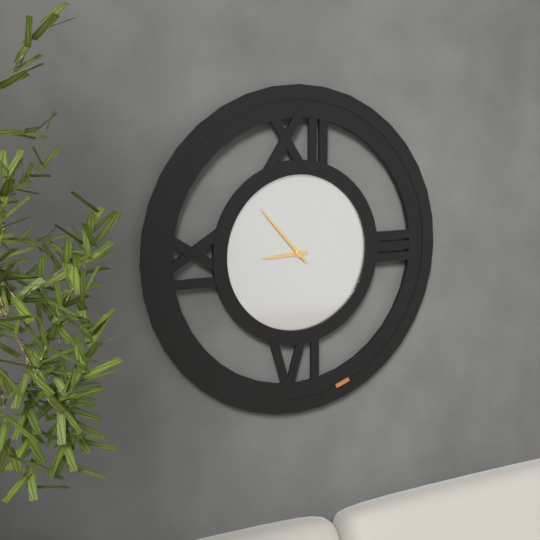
8:53
